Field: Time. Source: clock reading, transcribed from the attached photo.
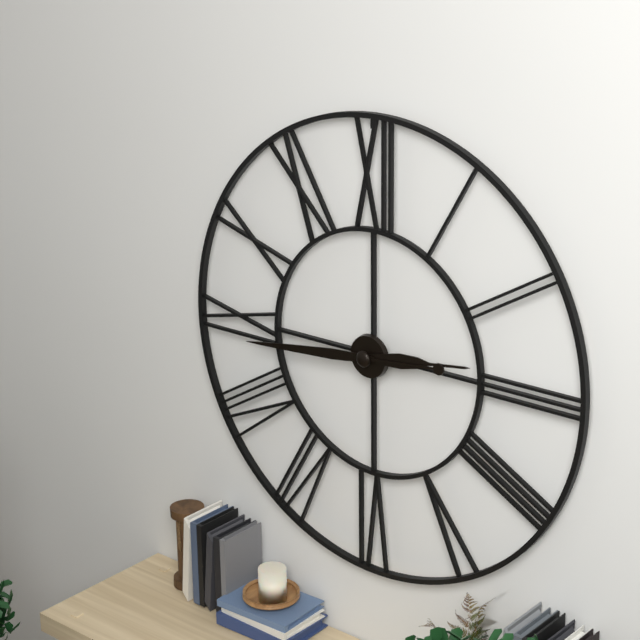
2:44
